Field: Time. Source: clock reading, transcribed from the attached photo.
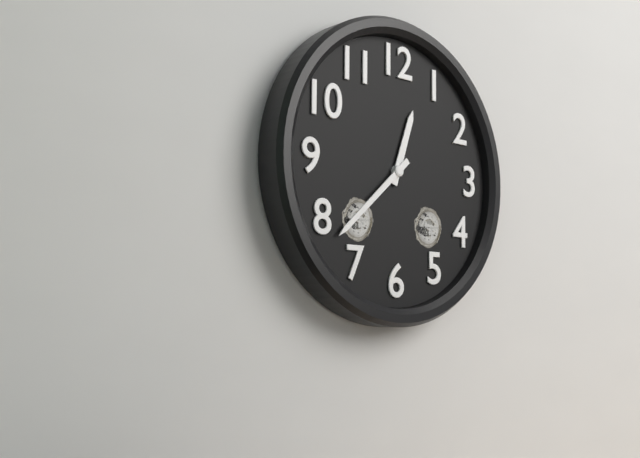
12:38
